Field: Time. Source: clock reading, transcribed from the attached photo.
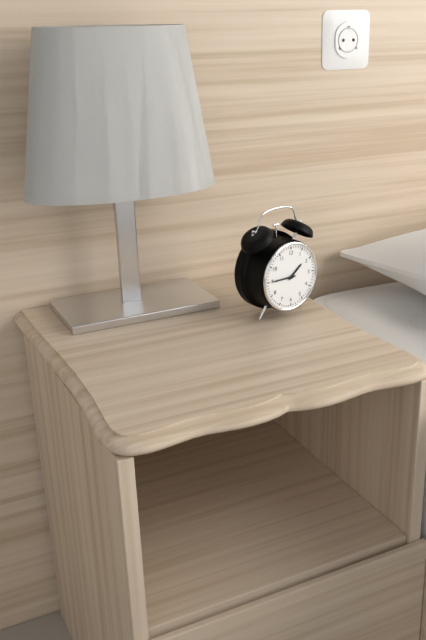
1:45
